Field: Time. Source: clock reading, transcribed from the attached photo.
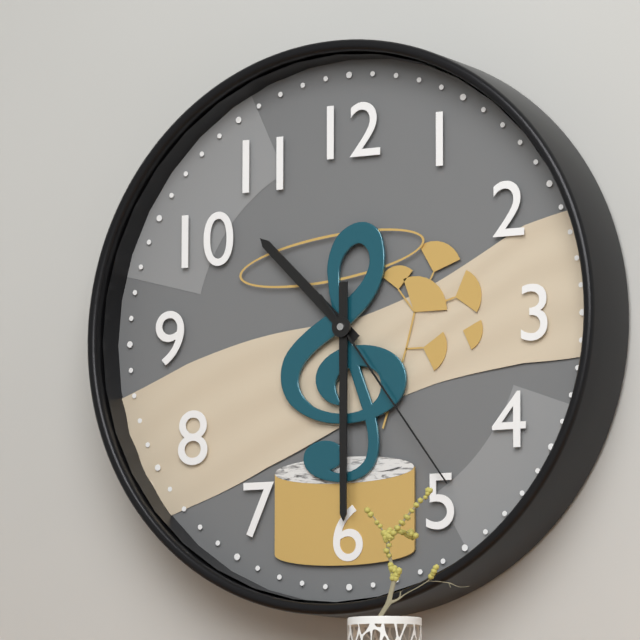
10:30:24
